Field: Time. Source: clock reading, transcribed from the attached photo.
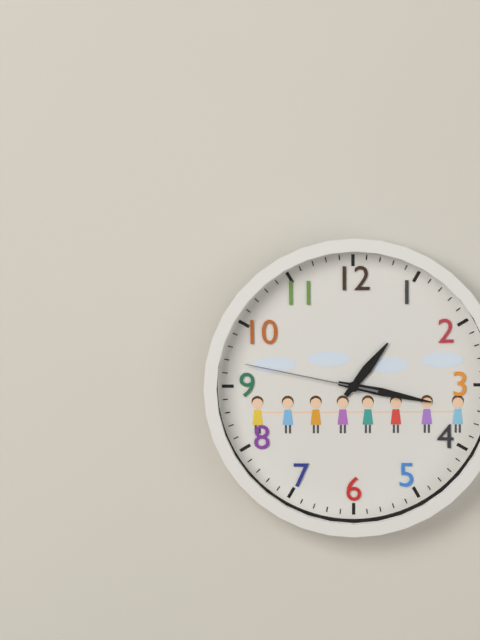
1:17:47
